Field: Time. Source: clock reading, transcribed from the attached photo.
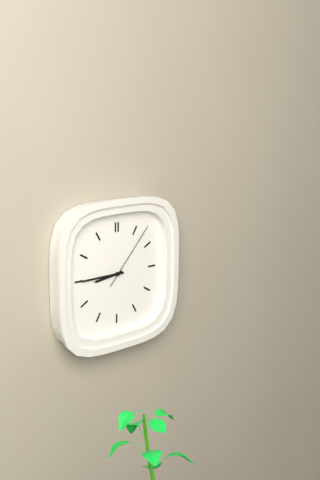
8:45:07
